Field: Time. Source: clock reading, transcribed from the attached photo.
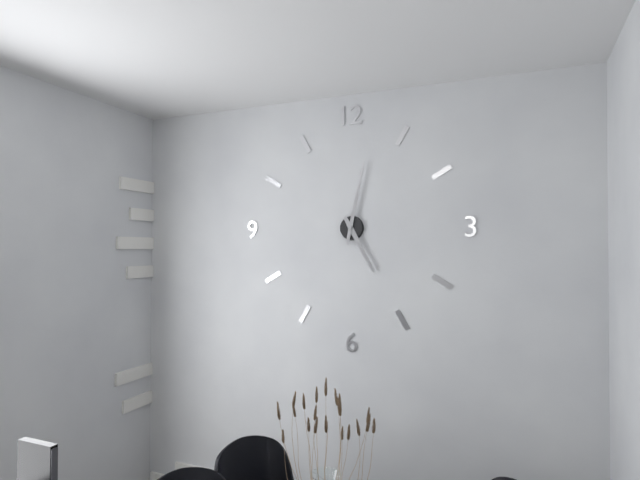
5:02
